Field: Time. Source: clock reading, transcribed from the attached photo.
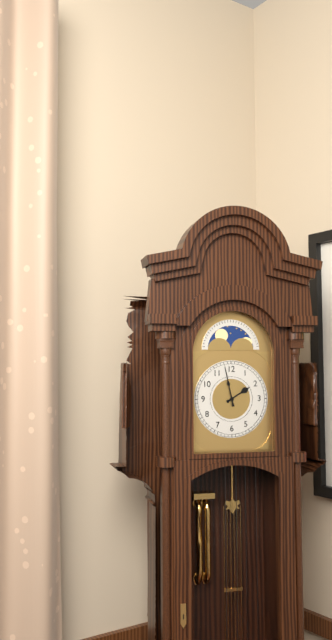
1:58
